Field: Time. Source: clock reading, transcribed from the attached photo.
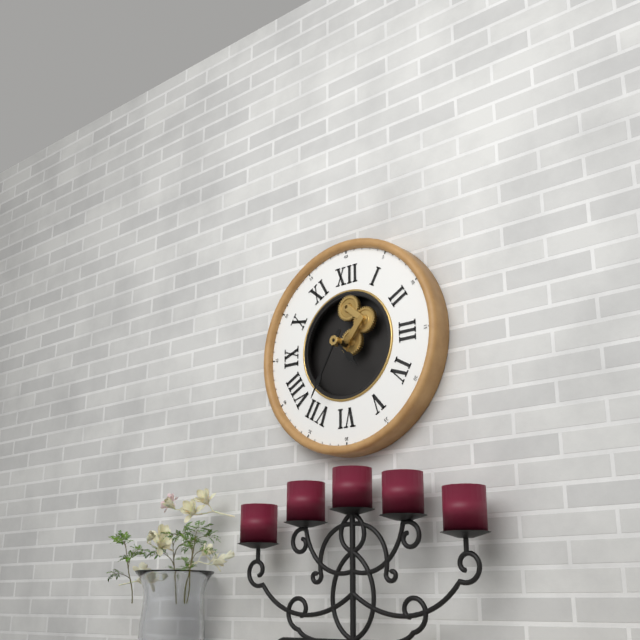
4:35
